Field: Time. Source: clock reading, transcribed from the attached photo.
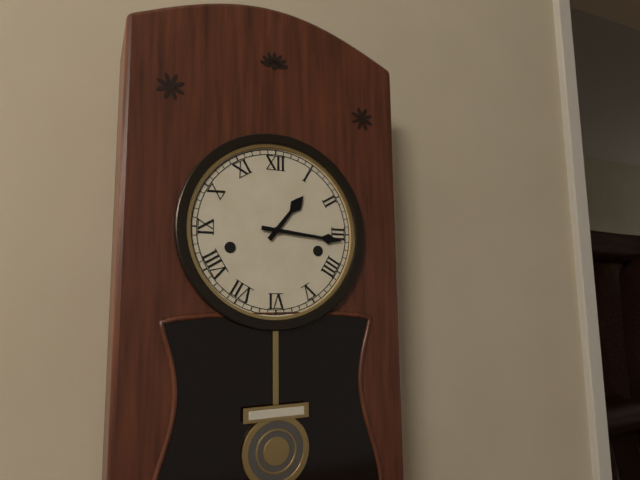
1:16
